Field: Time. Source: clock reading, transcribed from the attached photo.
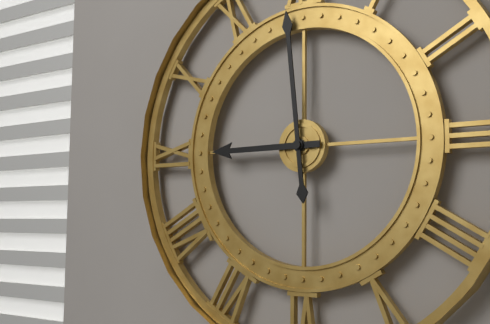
8:59
